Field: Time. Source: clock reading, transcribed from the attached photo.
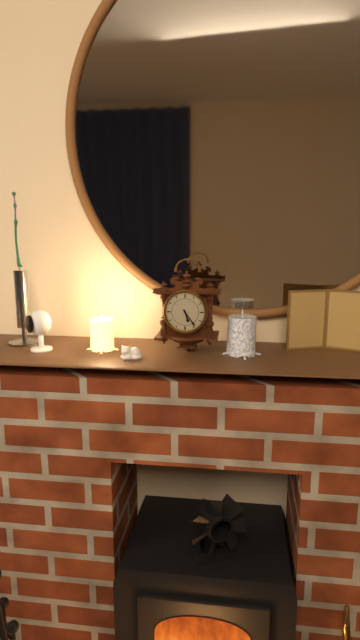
5:24
